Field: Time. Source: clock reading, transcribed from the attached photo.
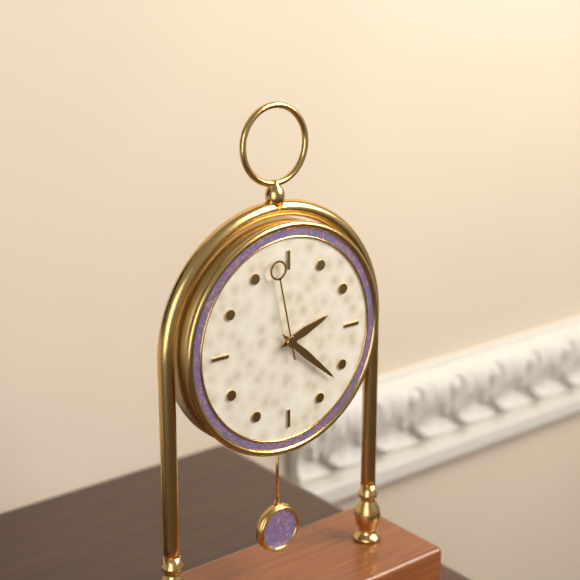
2:22:58
